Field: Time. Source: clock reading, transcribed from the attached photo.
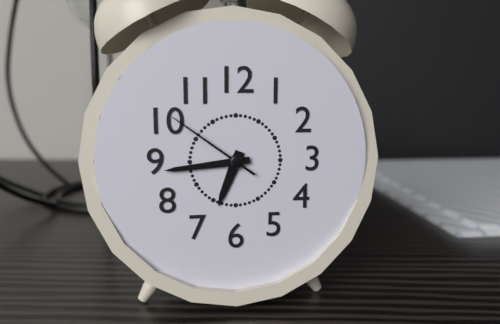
6:44:51
